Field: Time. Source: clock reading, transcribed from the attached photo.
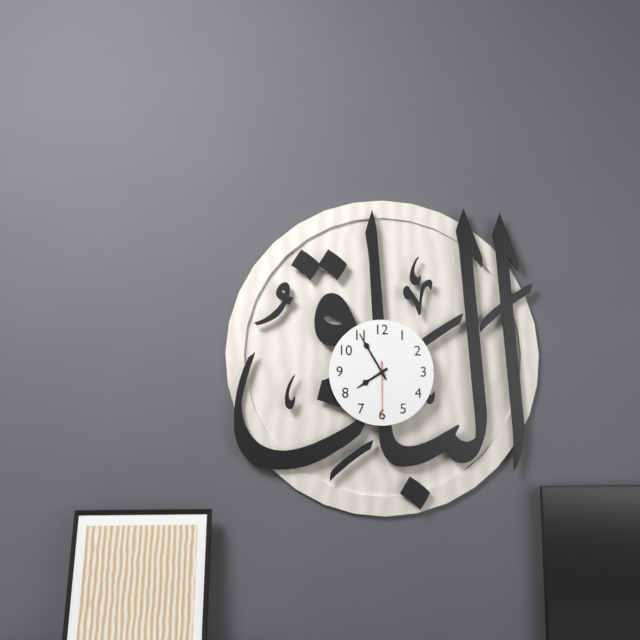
7:55:30
